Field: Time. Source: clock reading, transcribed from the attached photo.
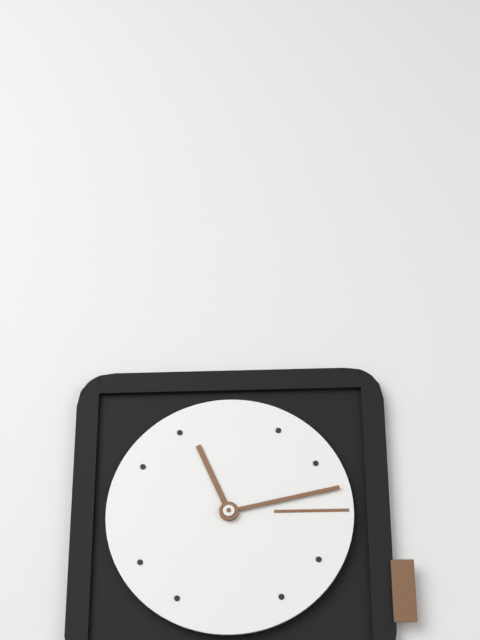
11:13
